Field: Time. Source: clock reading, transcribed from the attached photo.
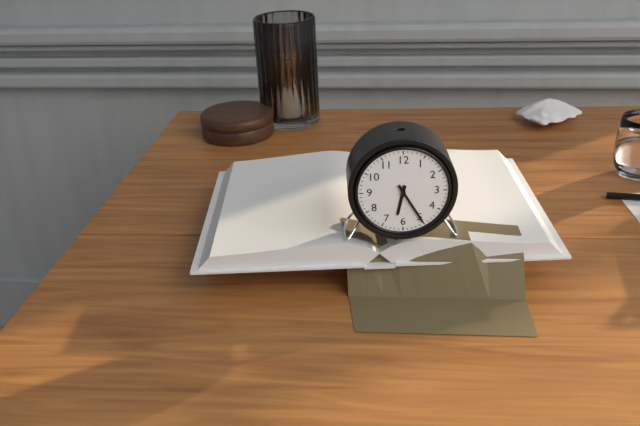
6:25
